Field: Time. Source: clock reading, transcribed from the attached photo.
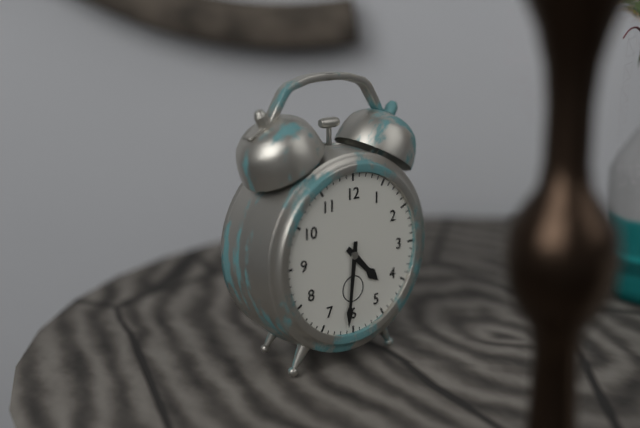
4:31
